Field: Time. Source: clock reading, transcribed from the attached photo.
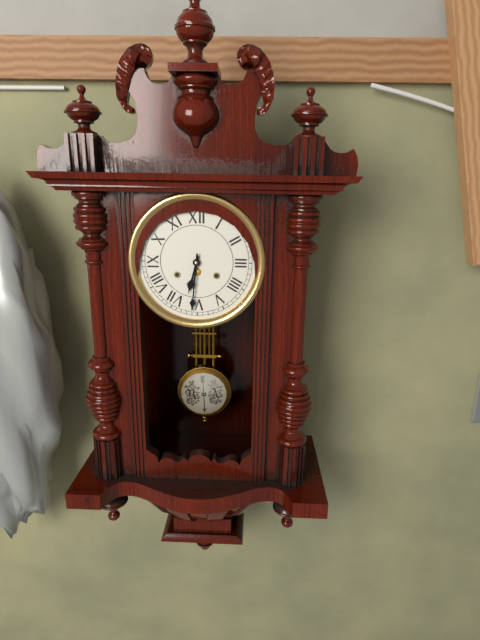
6:31
